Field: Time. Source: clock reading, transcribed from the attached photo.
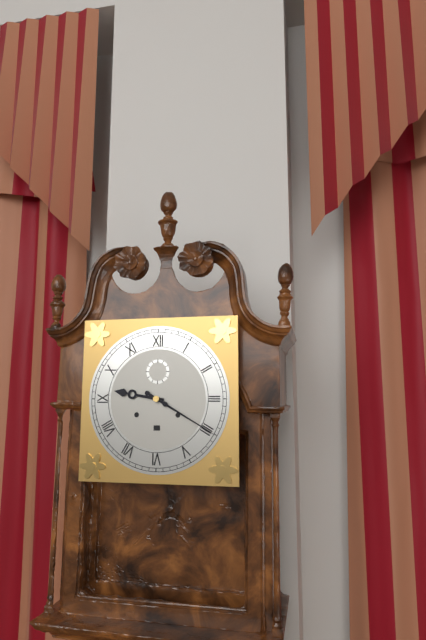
9:20
